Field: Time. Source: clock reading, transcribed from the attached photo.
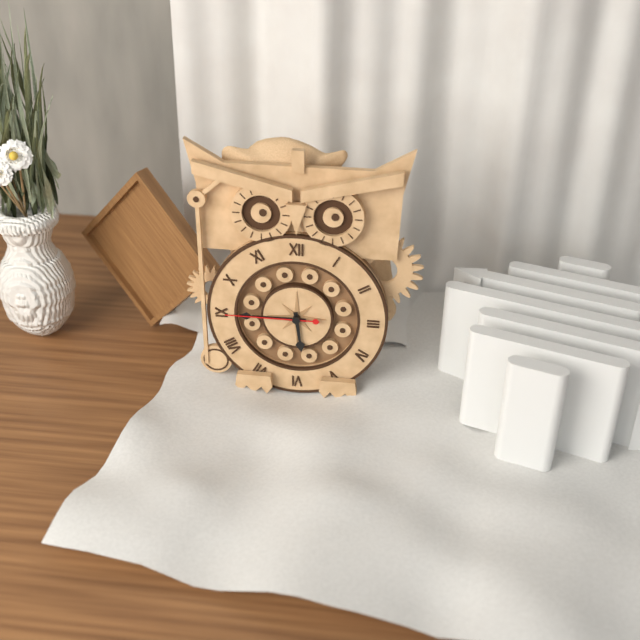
5:45:45
